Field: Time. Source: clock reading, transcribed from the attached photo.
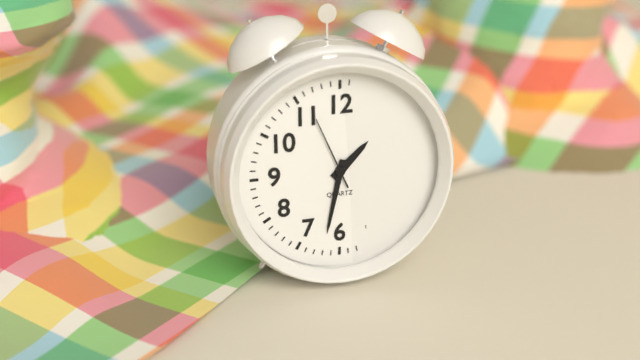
1:32:56
